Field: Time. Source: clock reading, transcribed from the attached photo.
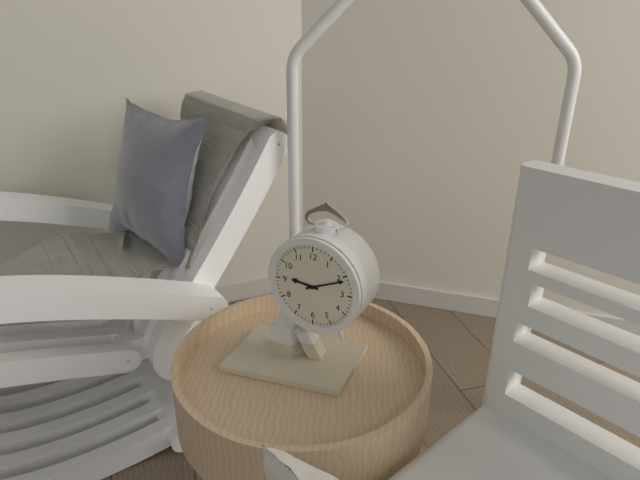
9:11
